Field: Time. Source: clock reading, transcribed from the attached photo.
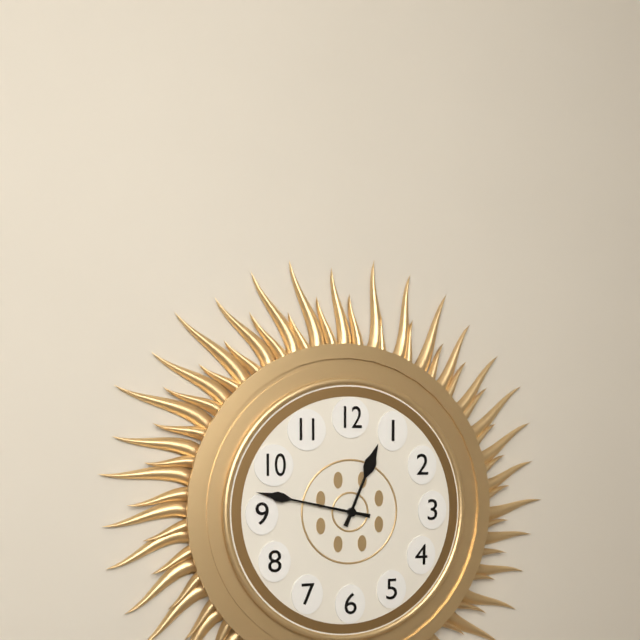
12:47
